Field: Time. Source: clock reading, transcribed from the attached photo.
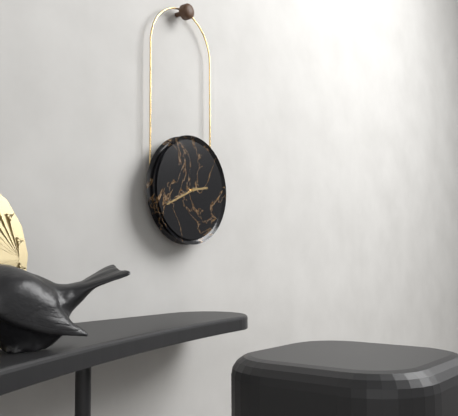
2:41
